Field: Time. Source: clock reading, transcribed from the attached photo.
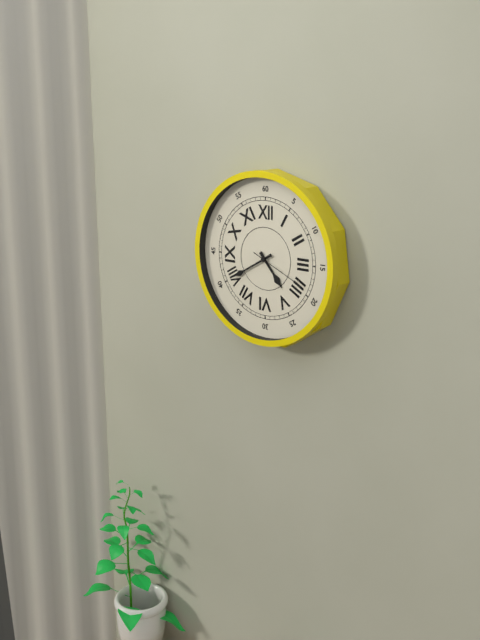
4:40:19
